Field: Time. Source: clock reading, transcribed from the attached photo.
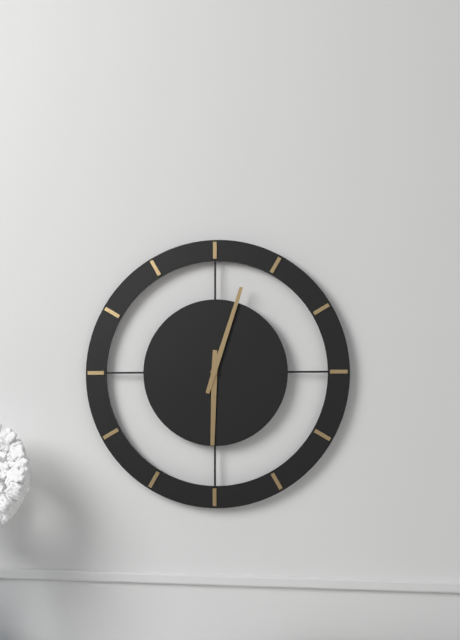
6:03
